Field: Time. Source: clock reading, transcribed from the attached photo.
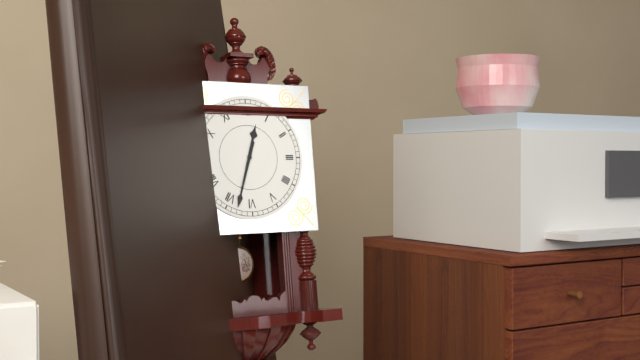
12:33
